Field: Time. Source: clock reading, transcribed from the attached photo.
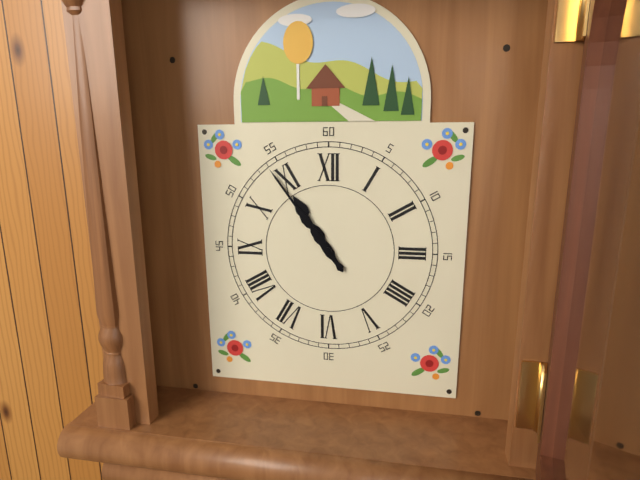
10:54
